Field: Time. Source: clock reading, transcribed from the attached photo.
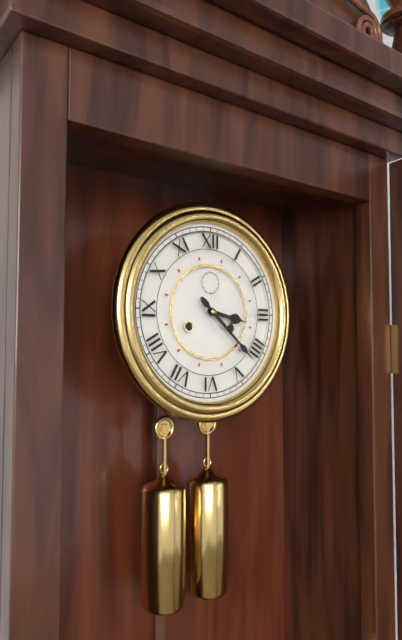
3:22
